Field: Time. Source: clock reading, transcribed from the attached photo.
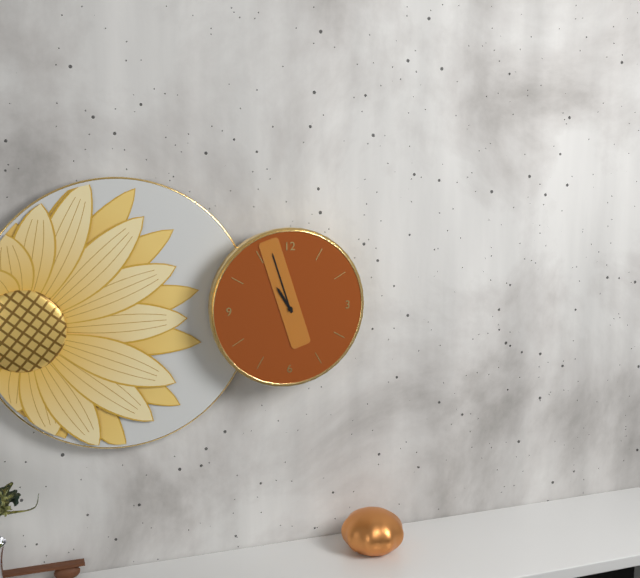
10:57
